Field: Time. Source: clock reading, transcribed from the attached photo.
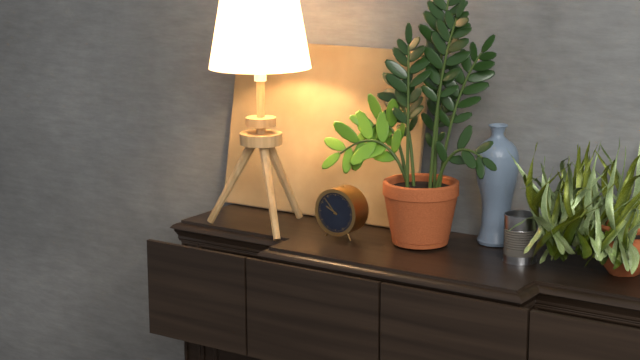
9:53
